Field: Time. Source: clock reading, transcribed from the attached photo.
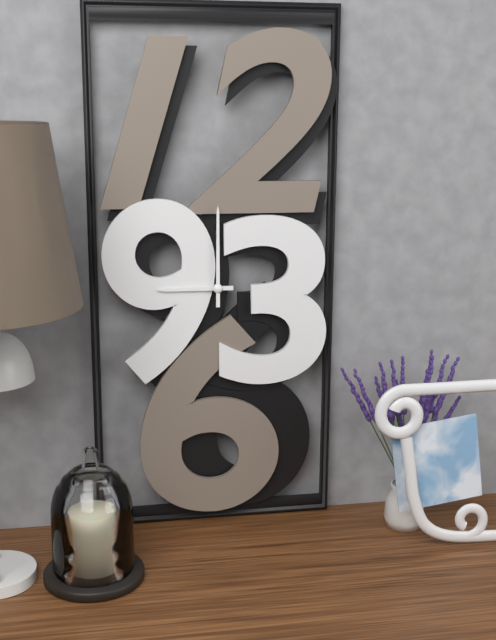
9:00
